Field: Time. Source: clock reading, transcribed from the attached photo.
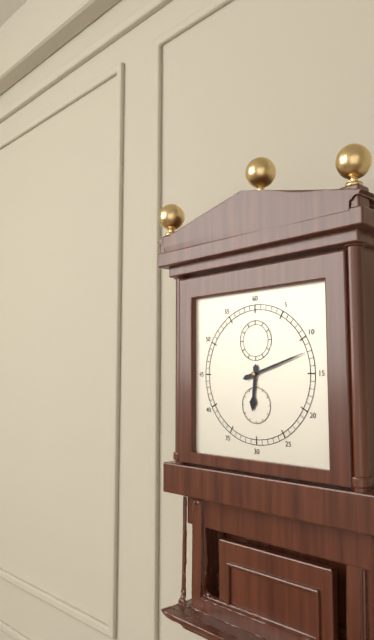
6:12
